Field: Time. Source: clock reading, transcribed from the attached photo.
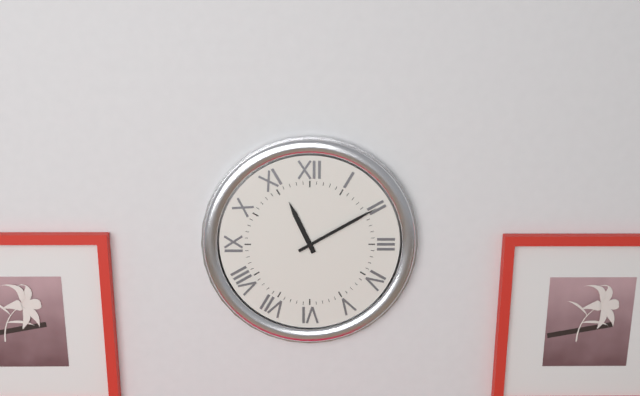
11:10
